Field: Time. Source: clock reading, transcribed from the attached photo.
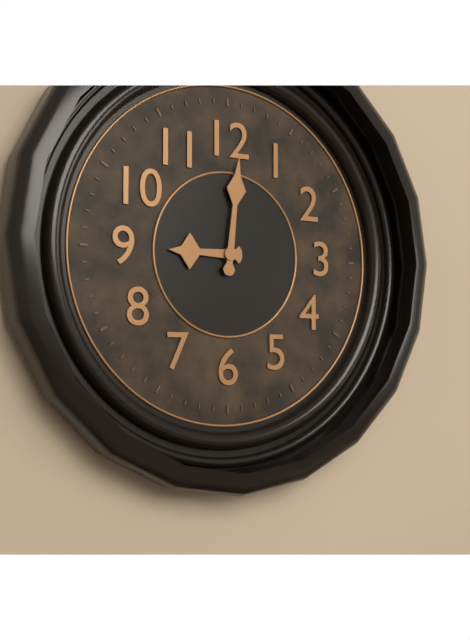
9:01
